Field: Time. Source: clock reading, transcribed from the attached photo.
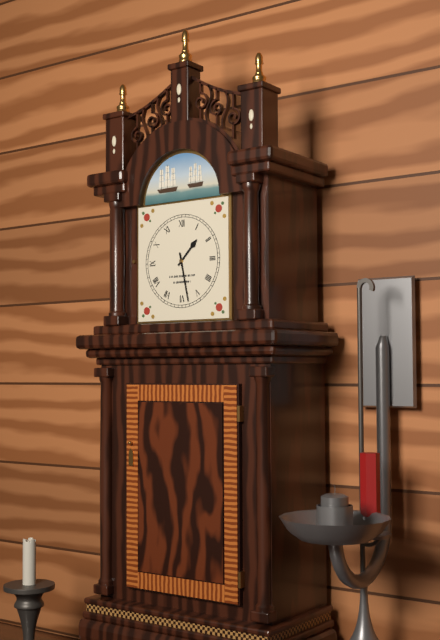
1:28
